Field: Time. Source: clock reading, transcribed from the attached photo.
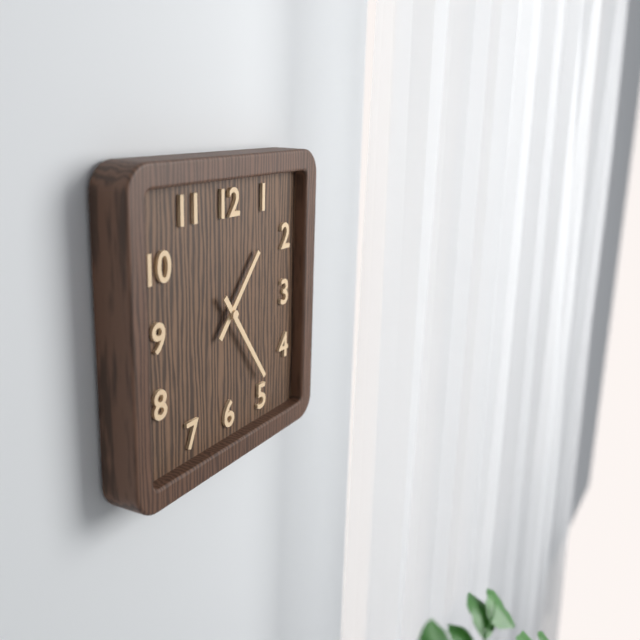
1:24
